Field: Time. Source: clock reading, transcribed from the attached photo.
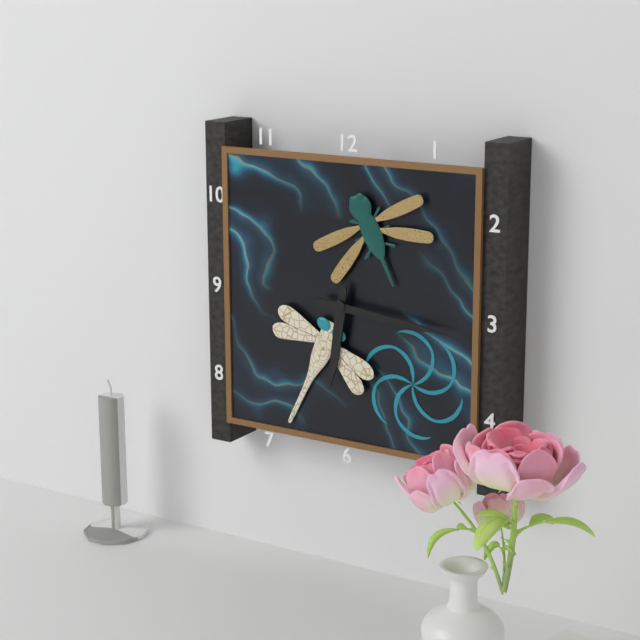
6:16
